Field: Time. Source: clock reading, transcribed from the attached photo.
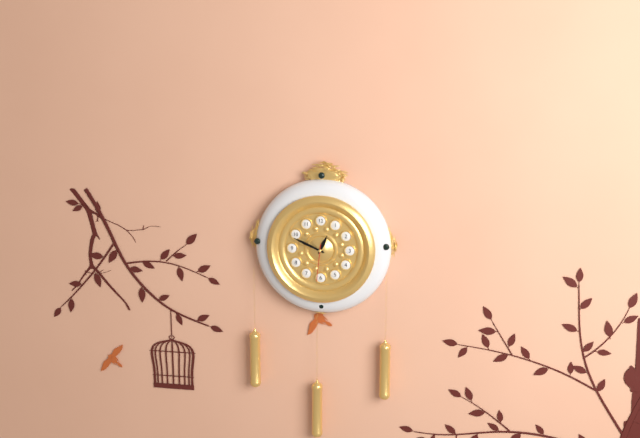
12:49
